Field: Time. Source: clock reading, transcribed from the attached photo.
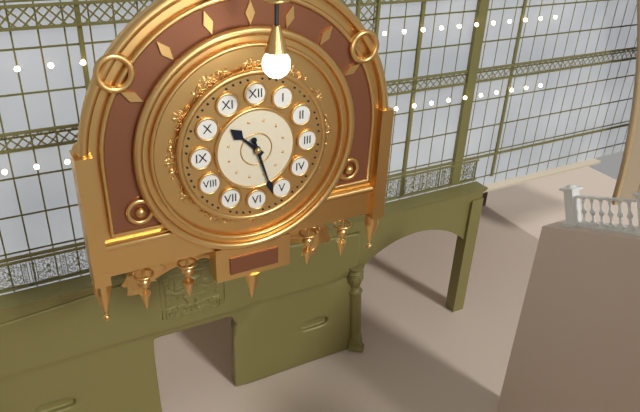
10:27
